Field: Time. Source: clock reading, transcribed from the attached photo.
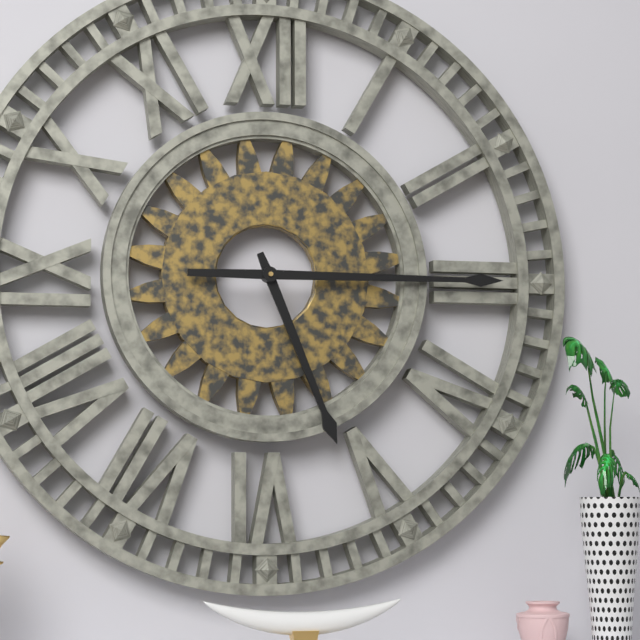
5:15
